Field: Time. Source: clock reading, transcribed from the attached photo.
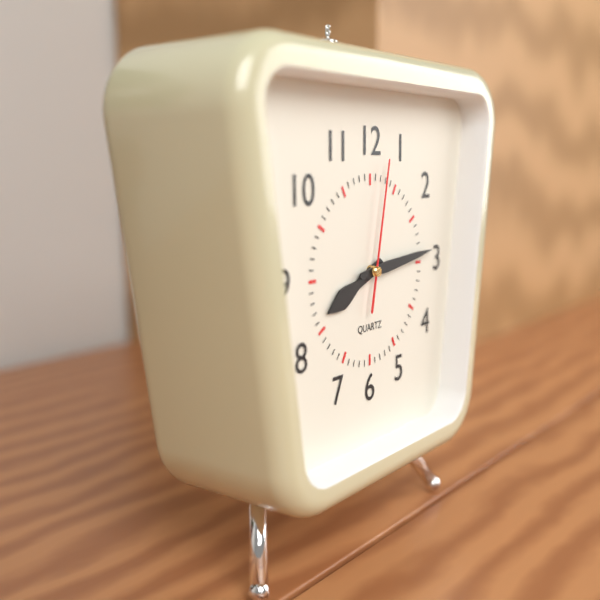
8:14:02
